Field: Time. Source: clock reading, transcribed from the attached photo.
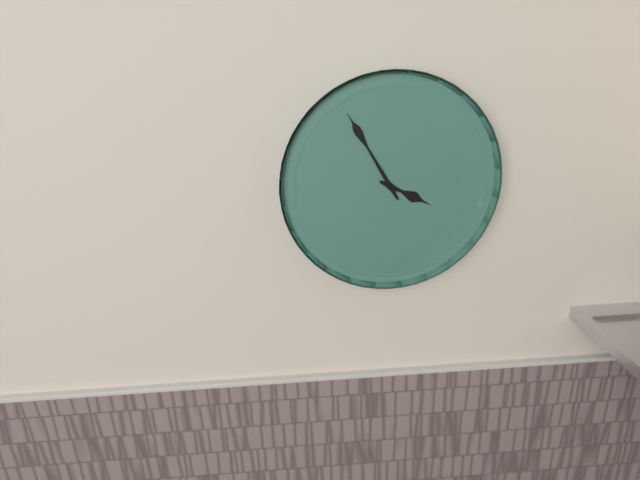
3:55
